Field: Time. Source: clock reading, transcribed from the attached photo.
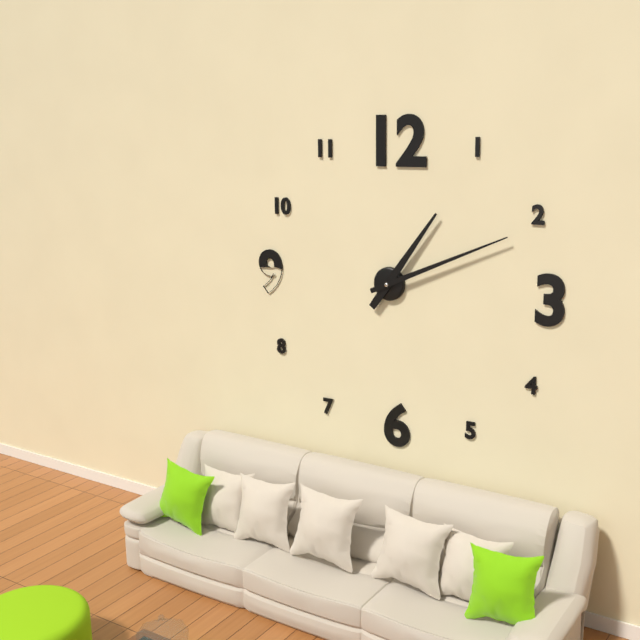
1:11
